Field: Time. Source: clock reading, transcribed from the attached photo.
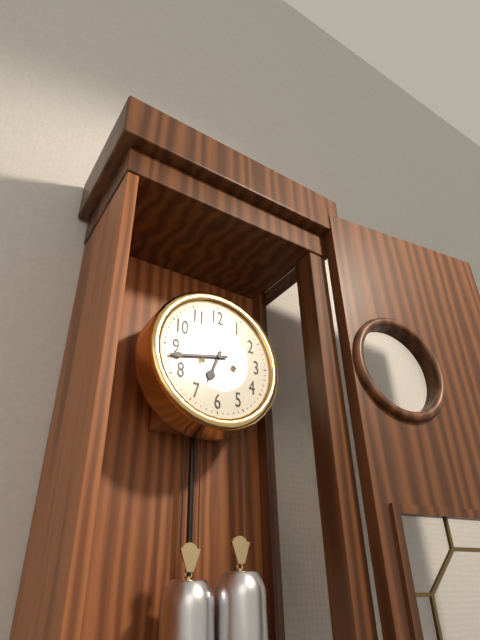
6:43
